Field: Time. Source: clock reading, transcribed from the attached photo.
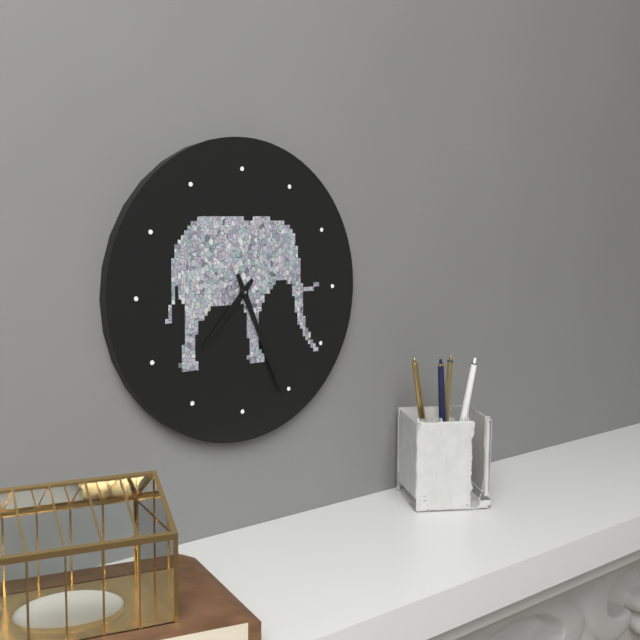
7:26
